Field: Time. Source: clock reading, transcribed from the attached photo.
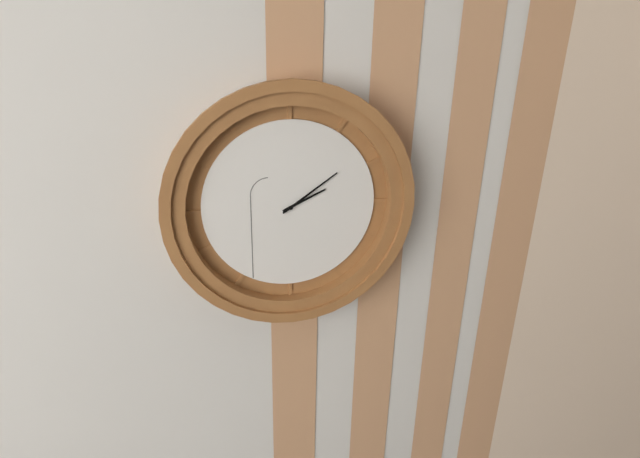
2:09
